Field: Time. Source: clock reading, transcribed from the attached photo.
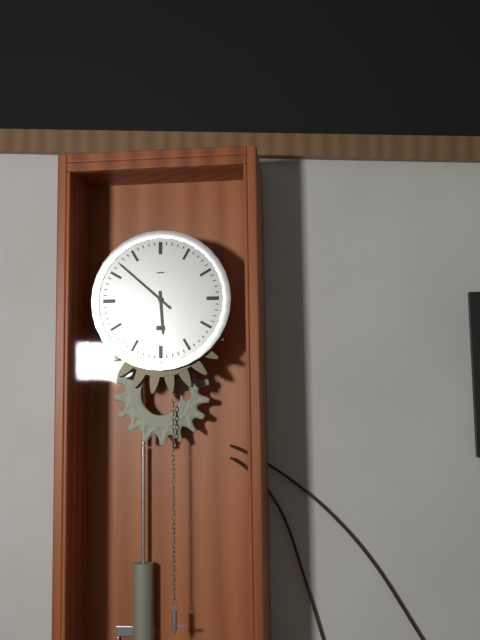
5:52
